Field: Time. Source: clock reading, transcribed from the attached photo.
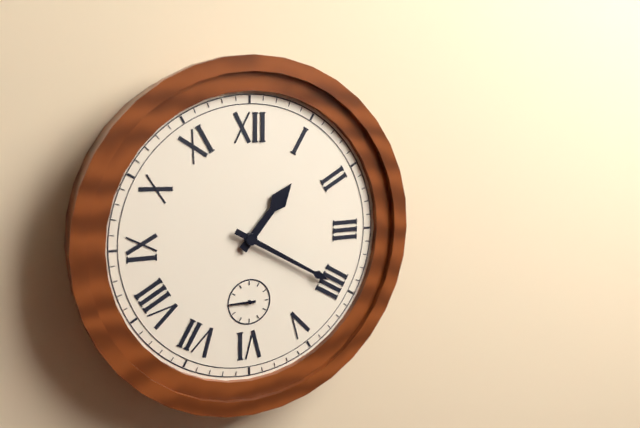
1:20
